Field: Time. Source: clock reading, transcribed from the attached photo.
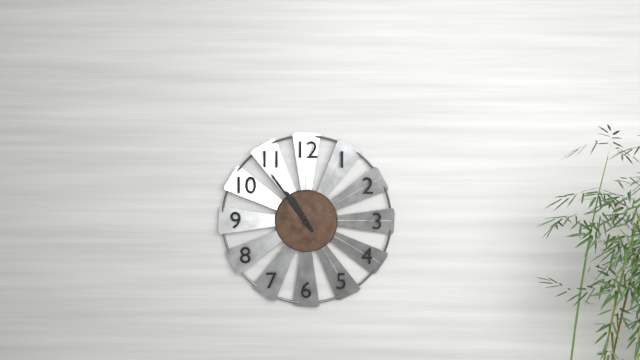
10:54
